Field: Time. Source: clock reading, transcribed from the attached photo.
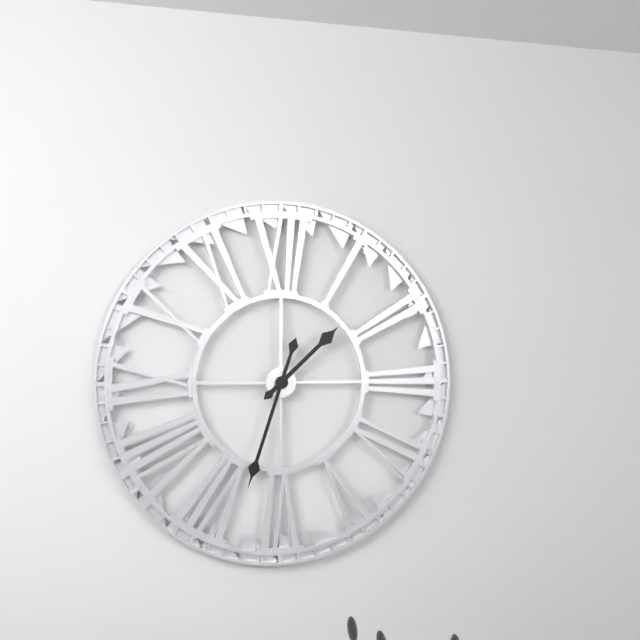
1:33
